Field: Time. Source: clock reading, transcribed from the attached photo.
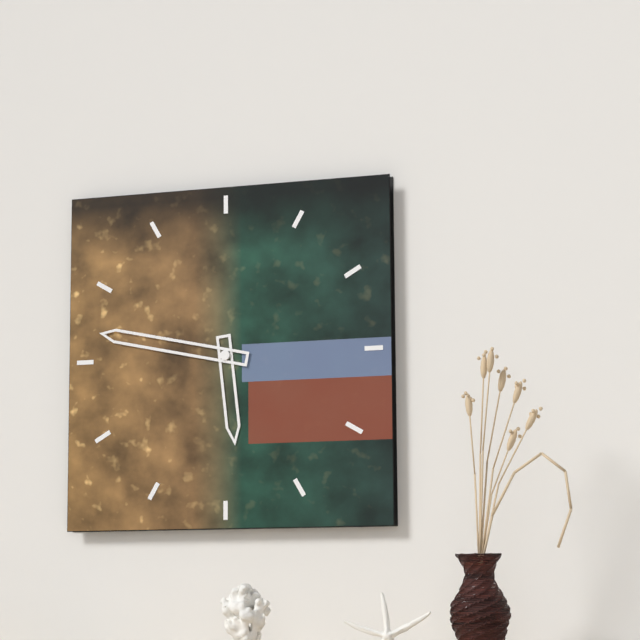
5:47
